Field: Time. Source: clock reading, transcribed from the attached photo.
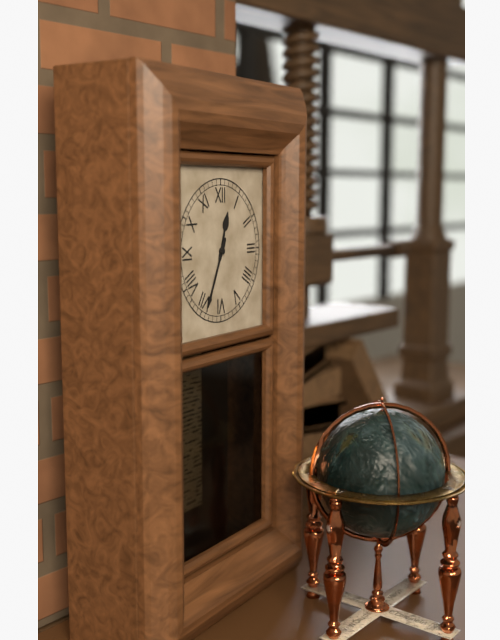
12:34
